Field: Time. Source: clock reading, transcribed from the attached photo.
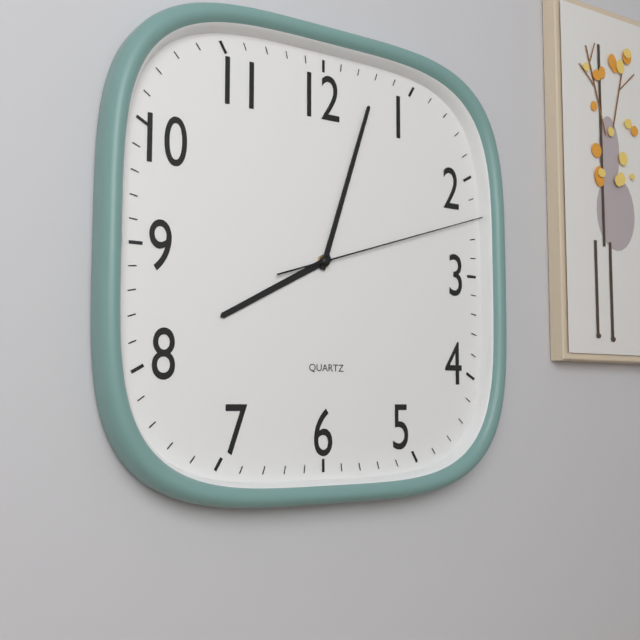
8:03:12
